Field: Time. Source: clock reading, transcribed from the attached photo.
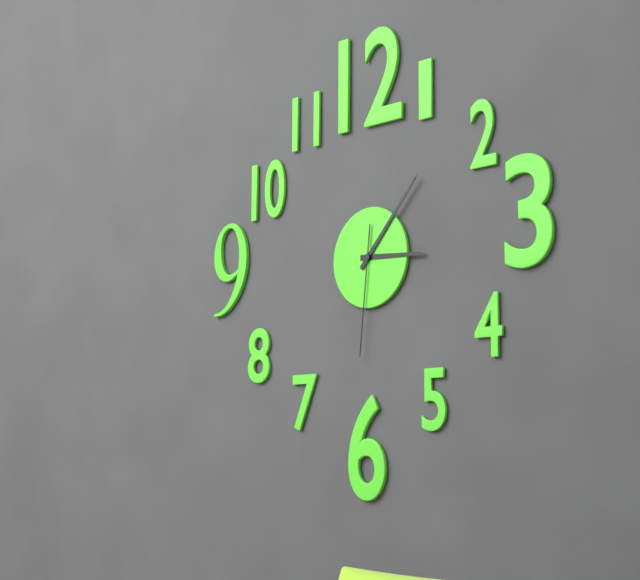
3:07:31
